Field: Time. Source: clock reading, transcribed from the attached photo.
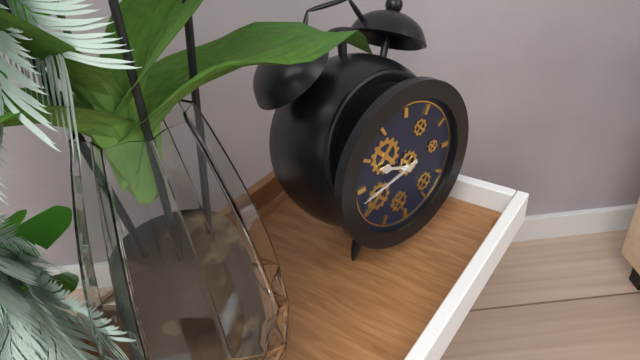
9:43
